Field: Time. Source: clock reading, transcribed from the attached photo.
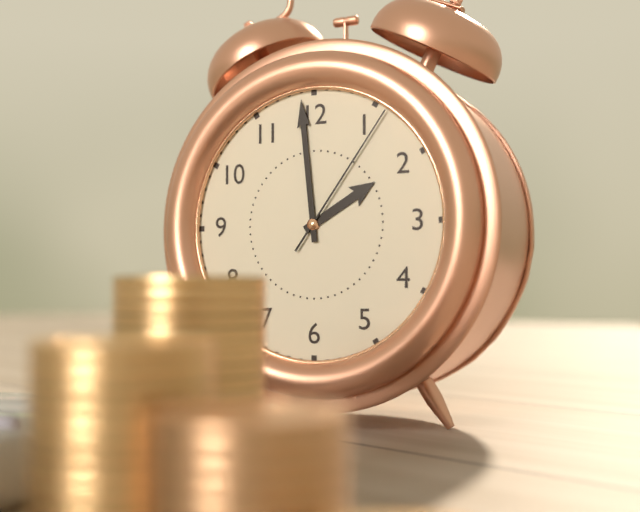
1:59:06
